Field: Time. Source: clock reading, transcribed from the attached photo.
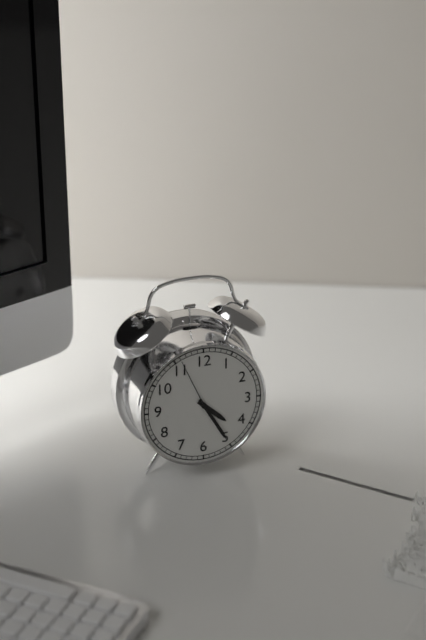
4:25:56
